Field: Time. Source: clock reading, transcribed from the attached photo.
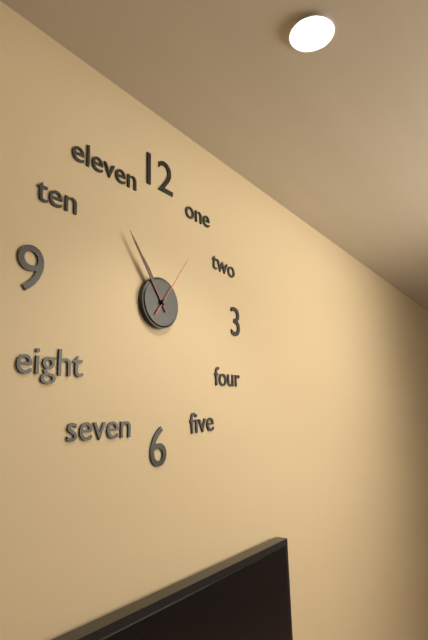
10:54:06
